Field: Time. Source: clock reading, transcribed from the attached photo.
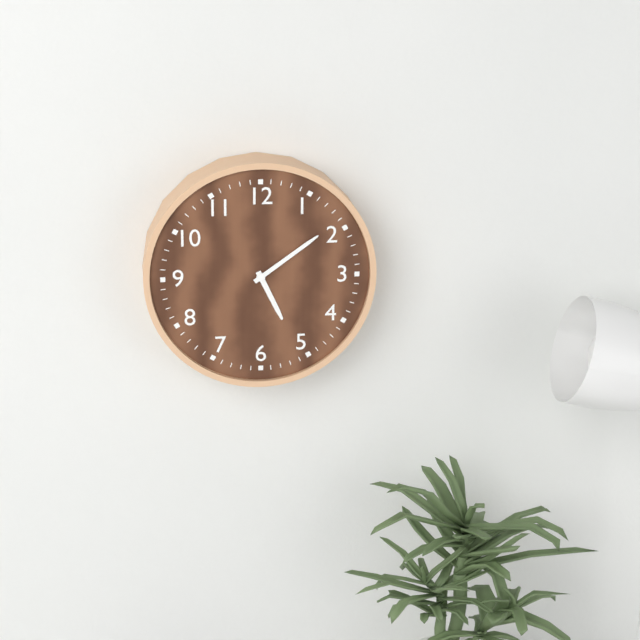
5:09
